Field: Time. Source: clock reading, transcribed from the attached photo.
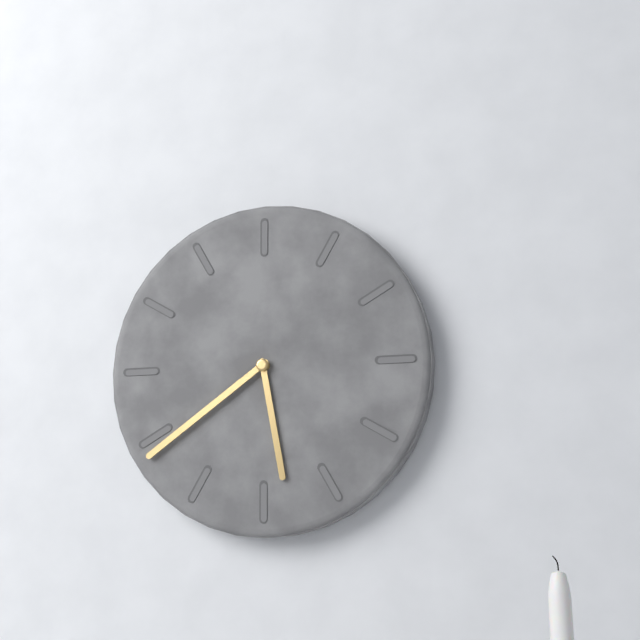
5:39
